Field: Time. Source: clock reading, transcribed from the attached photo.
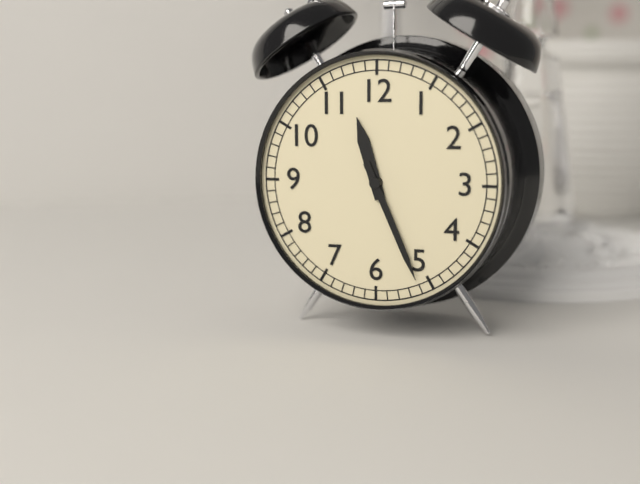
11:26
